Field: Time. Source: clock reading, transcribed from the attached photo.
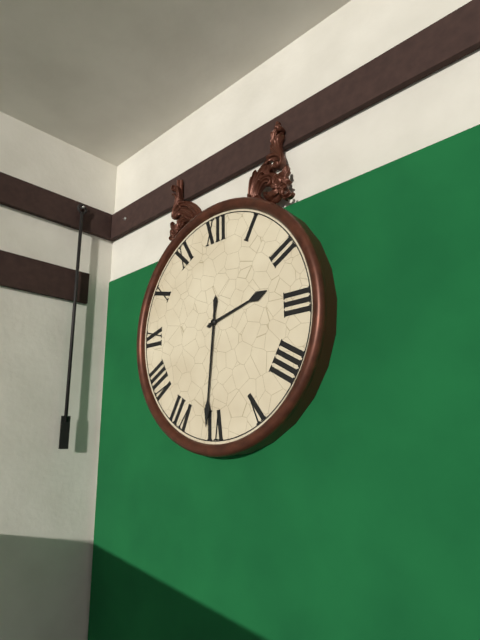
2:31
